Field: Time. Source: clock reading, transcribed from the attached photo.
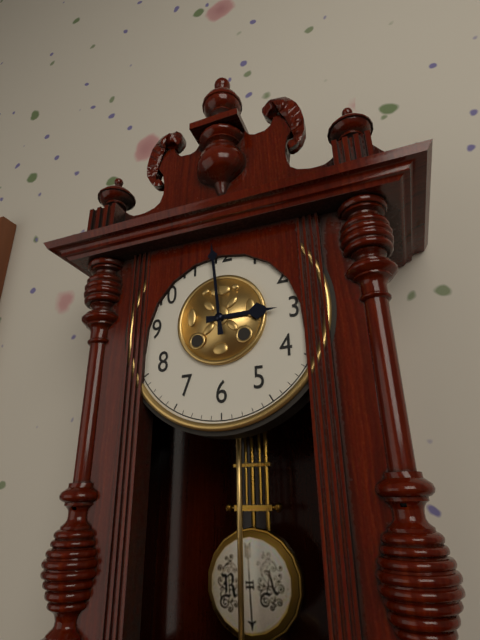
2:59
